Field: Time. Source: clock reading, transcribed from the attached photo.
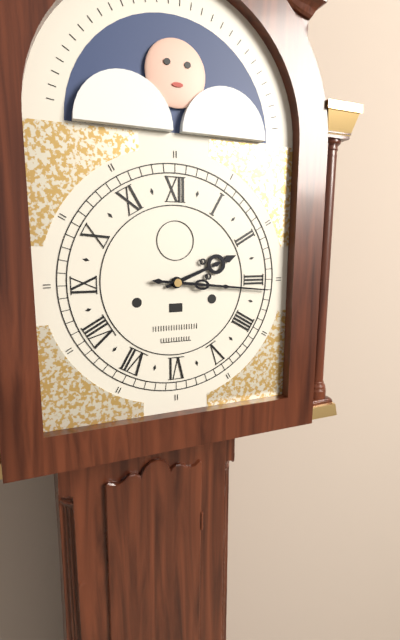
2:16
